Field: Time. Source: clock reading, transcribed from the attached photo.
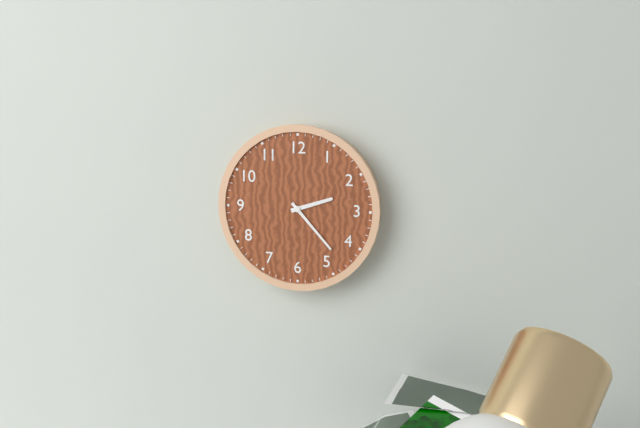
2:23
